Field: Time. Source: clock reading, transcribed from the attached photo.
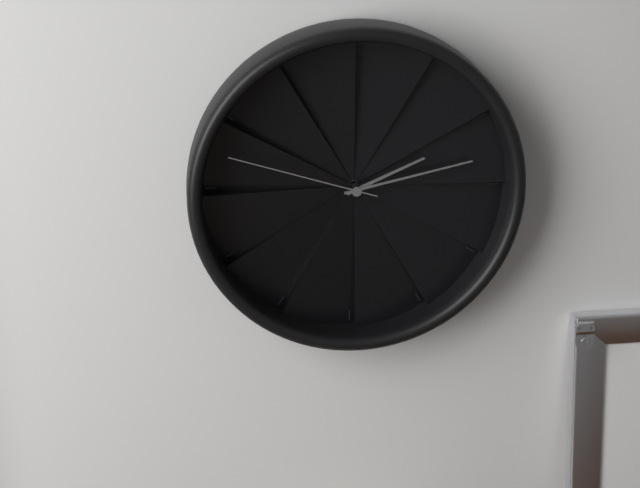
2:13:48
